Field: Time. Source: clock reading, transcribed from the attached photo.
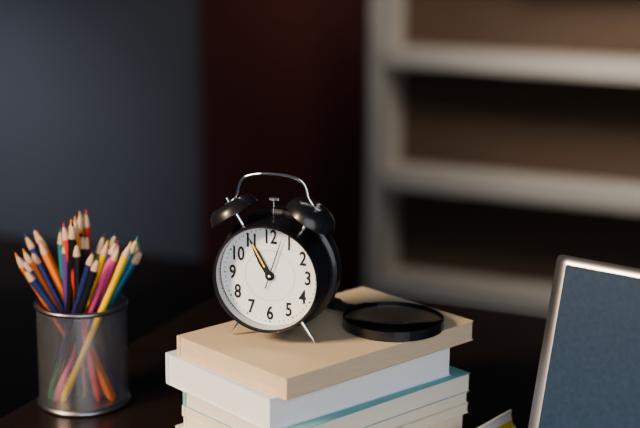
10:55:03
